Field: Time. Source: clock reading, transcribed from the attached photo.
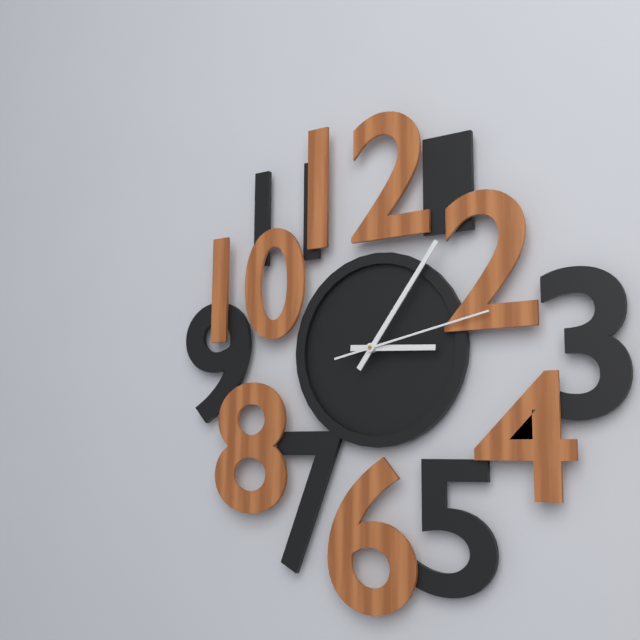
3:06:13
